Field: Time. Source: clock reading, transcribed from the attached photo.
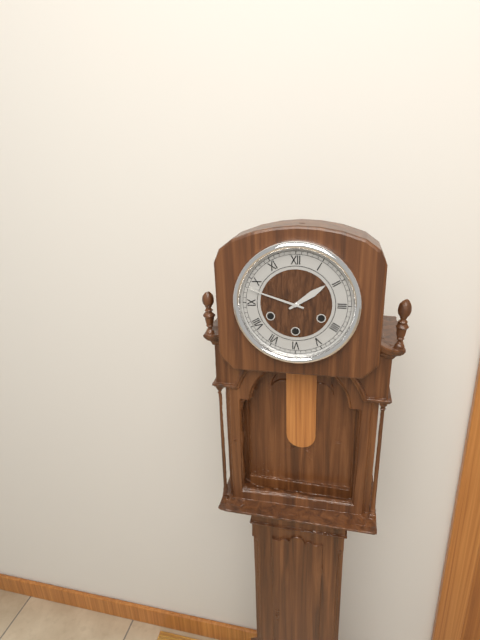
1:48
